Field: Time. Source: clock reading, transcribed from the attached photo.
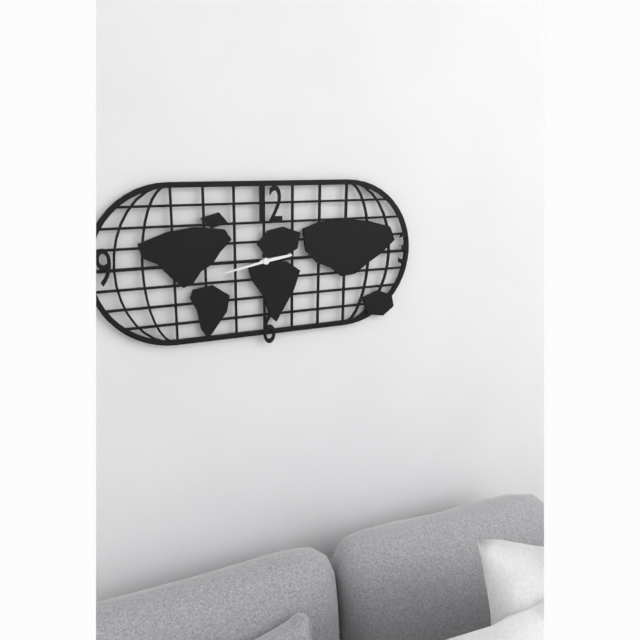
2:43
